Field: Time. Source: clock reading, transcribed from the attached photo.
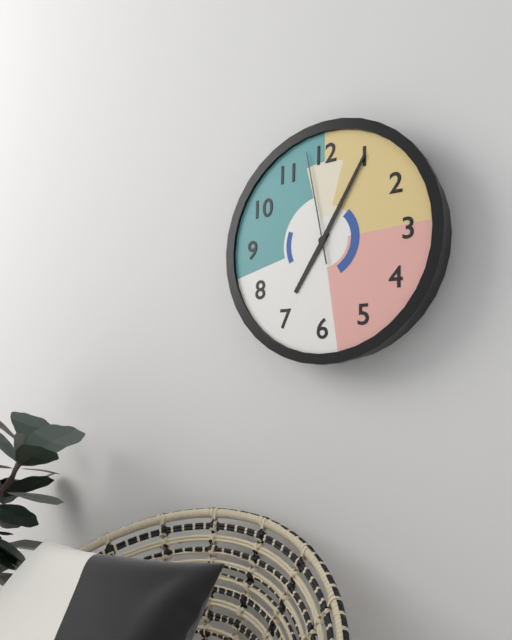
7:05:58
